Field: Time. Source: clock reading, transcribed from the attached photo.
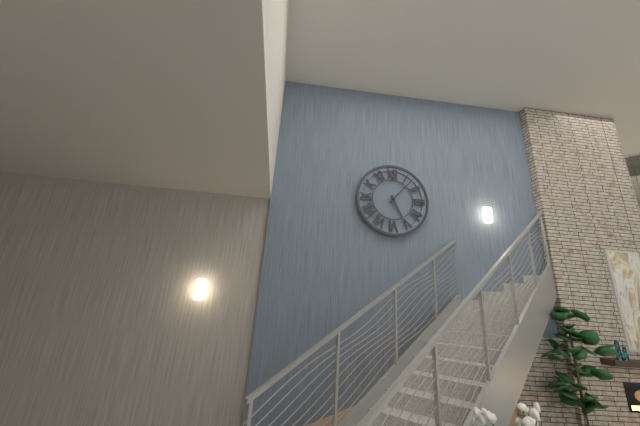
5:07
